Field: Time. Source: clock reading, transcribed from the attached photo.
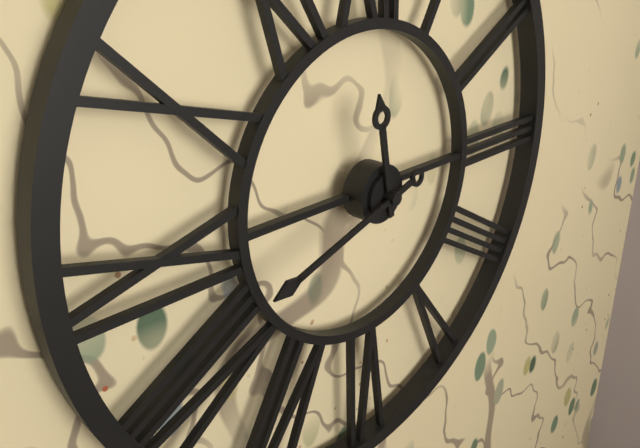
11:42
